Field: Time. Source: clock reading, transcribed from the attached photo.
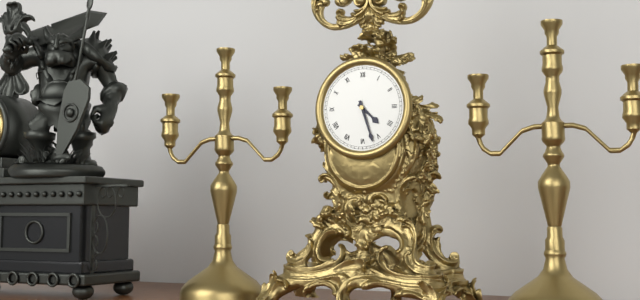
4:27
